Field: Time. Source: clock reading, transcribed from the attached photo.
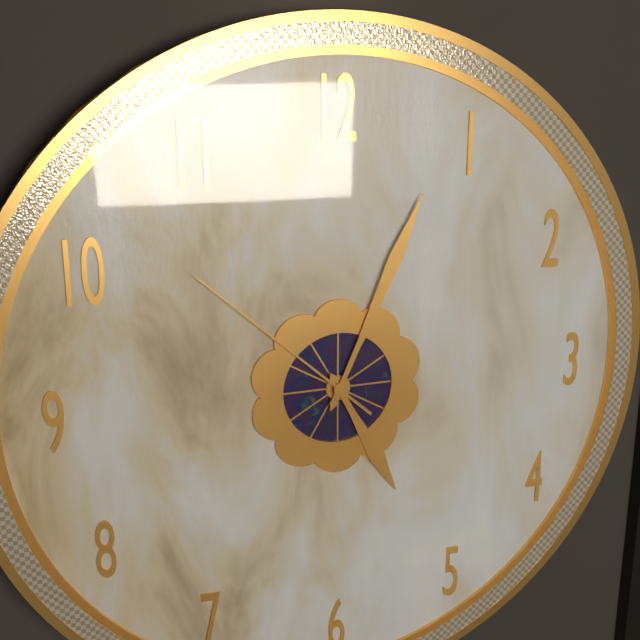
5:04:52
